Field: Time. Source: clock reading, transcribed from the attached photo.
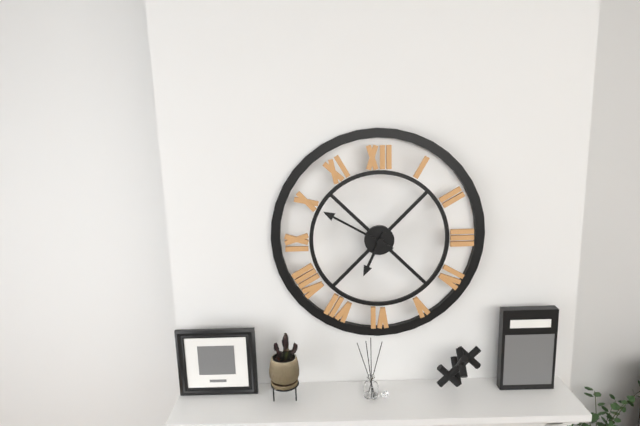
6:50
